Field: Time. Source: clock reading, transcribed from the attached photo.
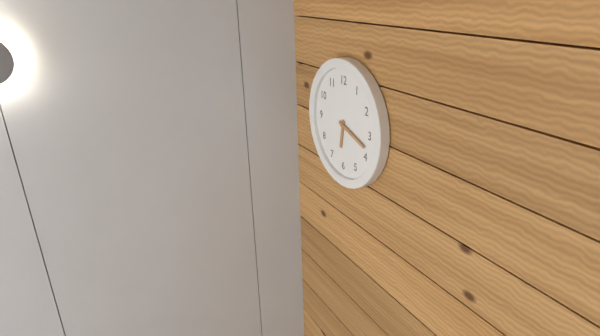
6:18
